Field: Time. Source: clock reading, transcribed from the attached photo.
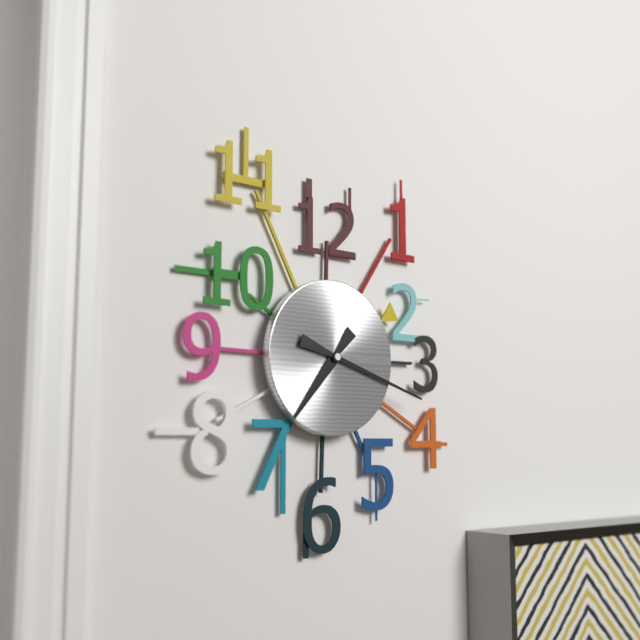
7:18
